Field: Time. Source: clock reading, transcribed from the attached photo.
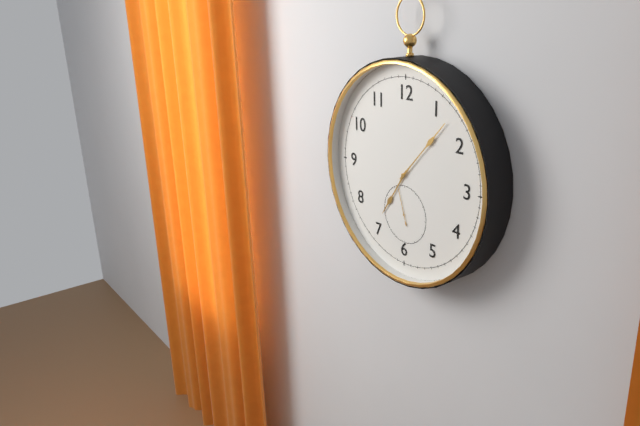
7:07
